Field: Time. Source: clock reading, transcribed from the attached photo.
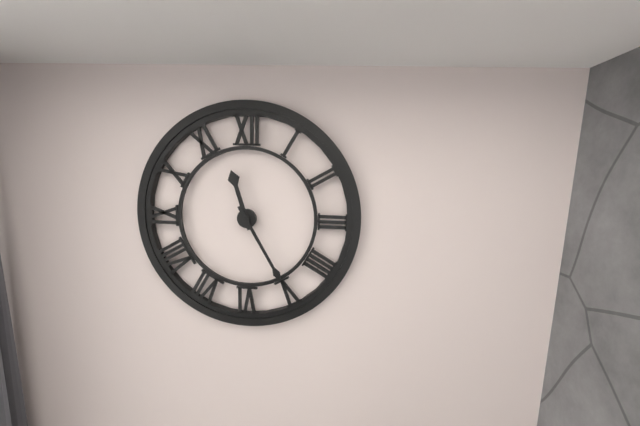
11:25
